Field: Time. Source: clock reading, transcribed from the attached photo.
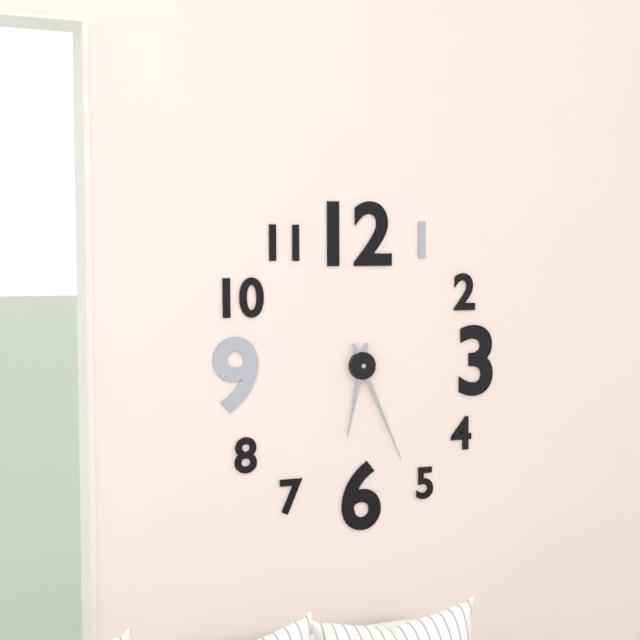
6:26
